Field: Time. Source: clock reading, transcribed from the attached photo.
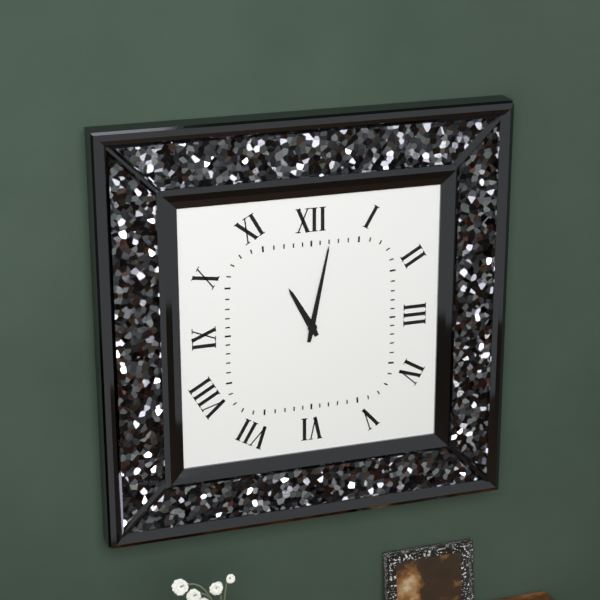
11:02
